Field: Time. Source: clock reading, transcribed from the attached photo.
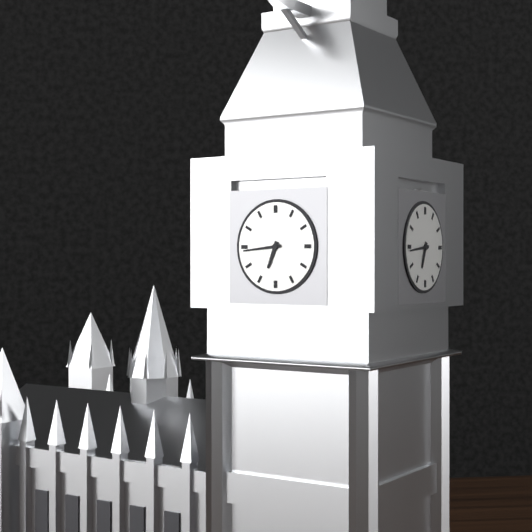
6:44
